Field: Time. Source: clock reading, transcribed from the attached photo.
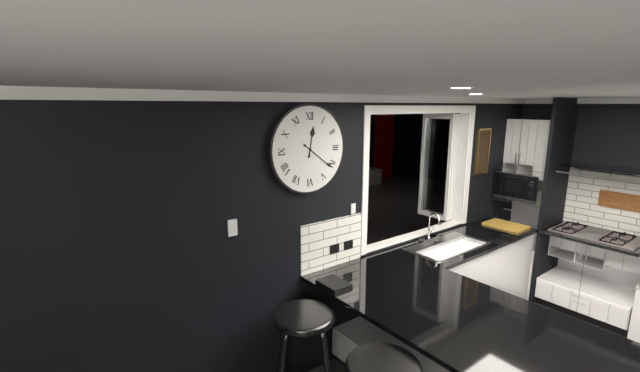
12:21
